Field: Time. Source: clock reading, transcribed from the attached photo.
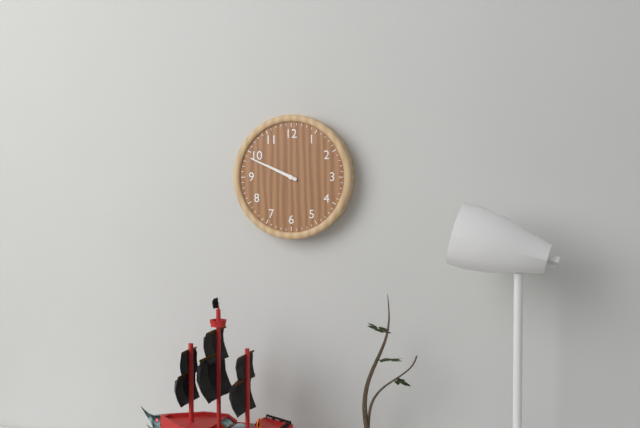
9:49
